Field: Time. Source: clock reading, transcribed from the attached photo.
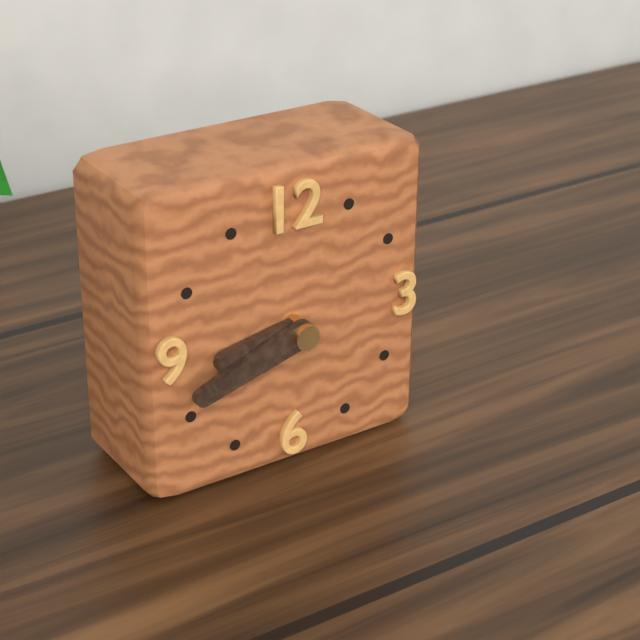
8:42
